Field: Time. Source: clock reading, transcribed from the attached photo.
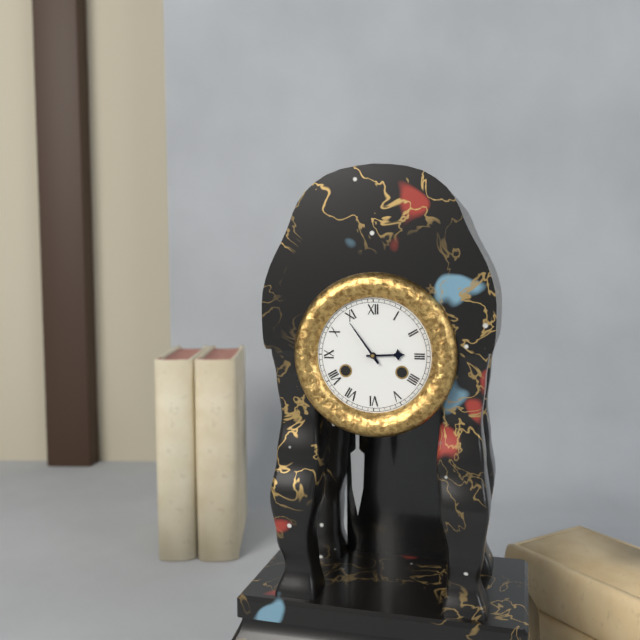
2:54
